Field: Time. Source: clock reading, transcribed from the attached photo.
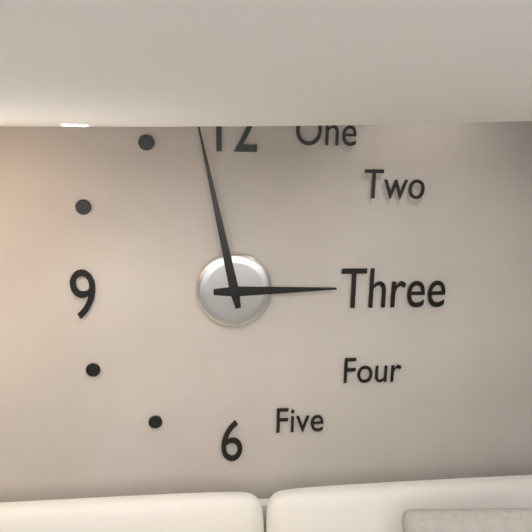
2:58
